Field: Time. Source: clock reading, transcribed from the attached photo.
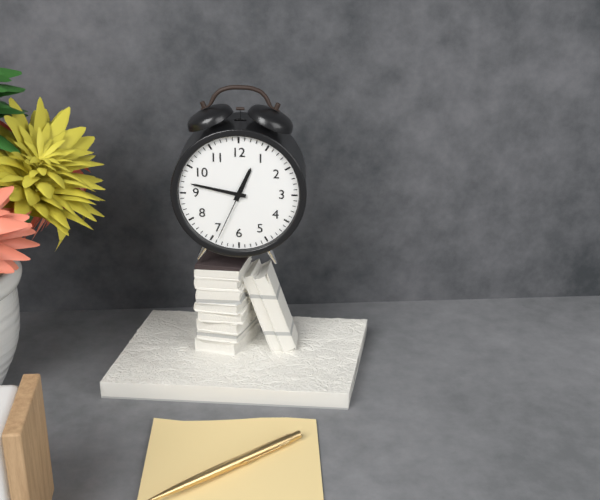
12:47:34
